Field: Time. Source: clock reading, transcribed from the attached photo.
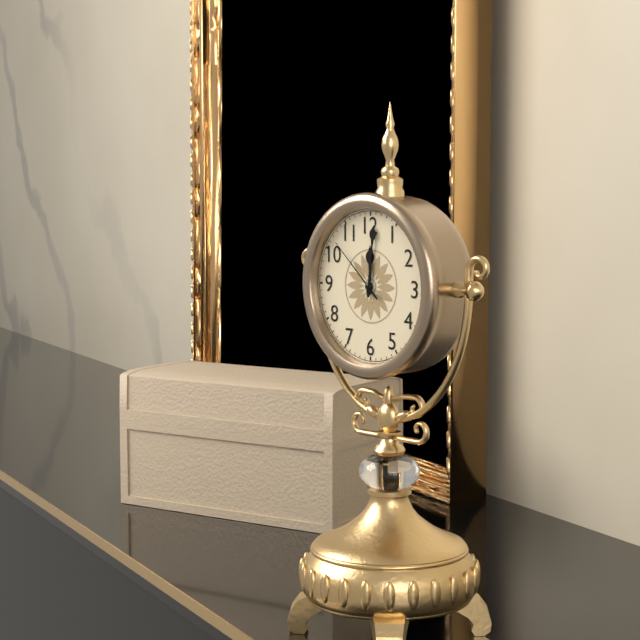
12:01:52
